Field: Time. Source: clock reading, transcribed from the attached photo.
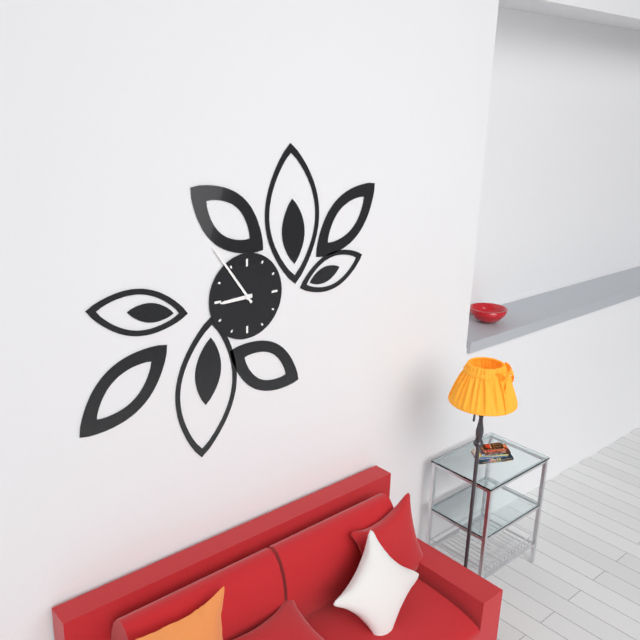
8:54
